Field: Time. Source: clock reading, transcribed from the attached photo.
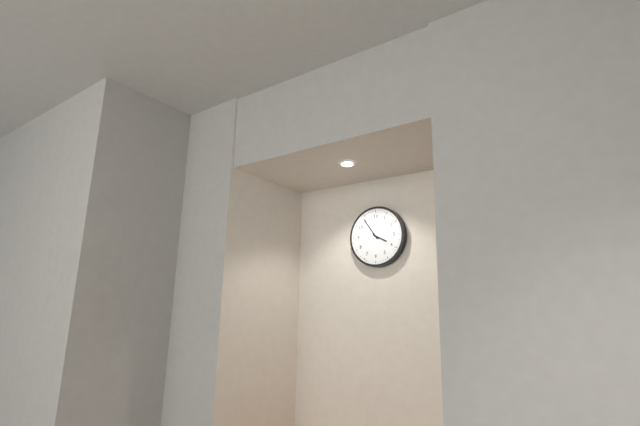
3:54
